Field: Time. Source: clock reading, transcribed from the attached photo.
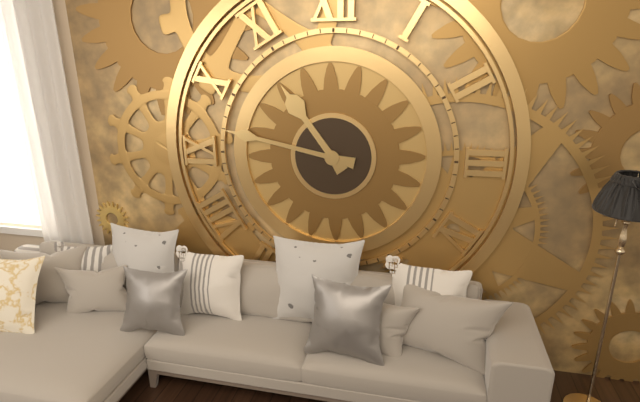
10:47
